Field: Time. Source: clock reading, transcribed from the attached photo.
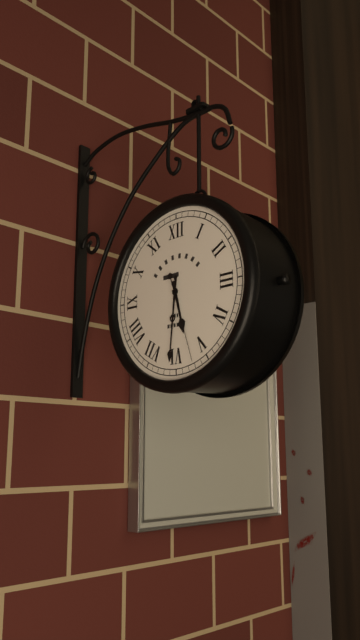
5:31:27
